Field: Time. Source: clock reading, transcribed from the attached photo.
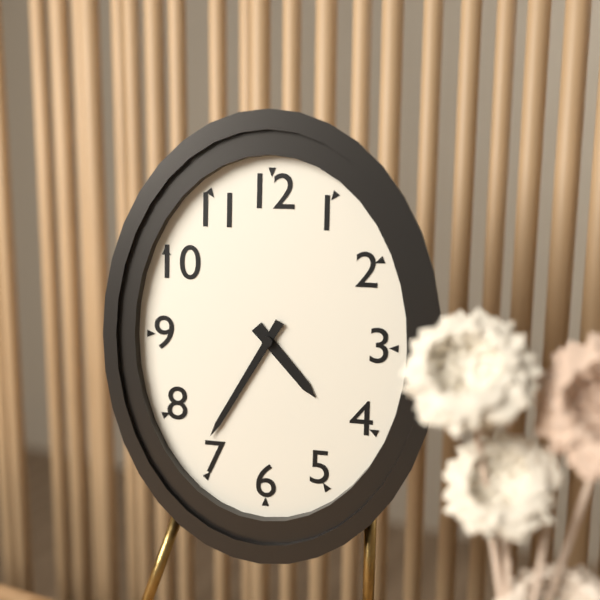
4:35
